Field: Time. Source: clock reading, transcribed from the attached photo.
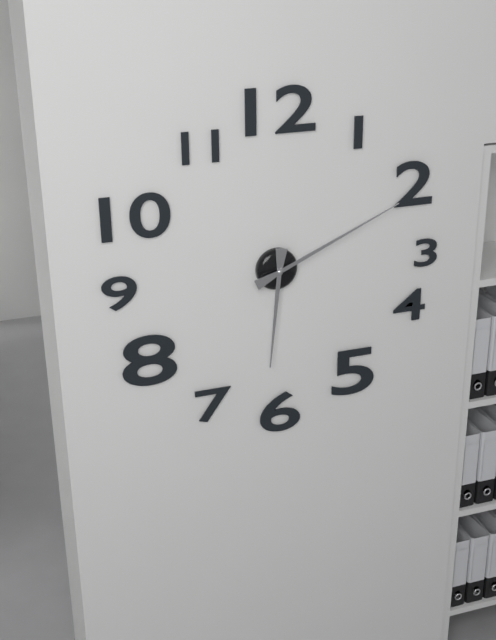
6:11
